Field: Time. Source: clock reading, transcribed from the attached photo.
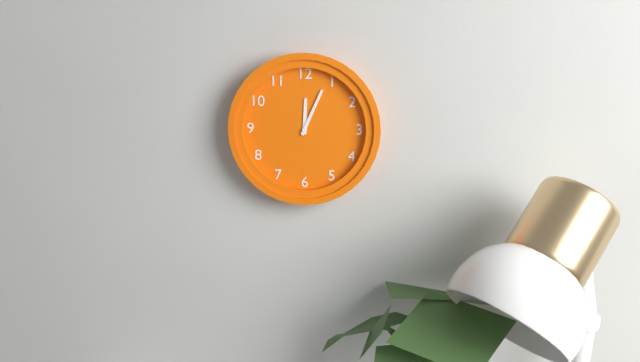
12:04
